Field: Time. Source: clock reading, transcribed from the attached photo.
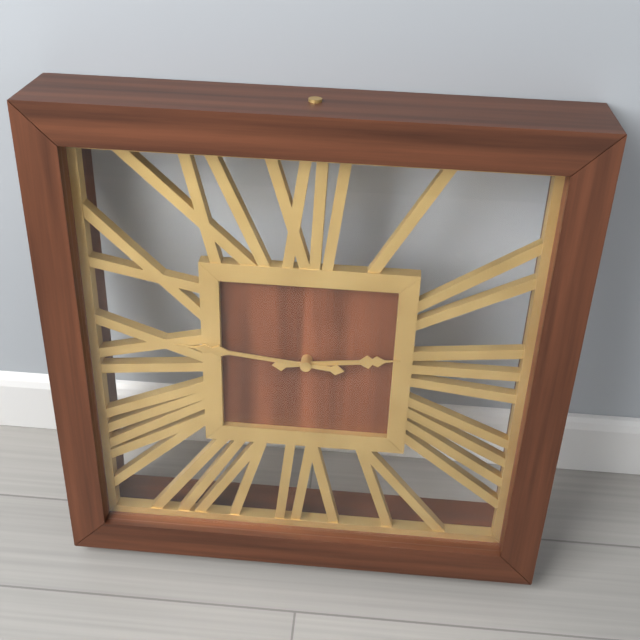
2:46
